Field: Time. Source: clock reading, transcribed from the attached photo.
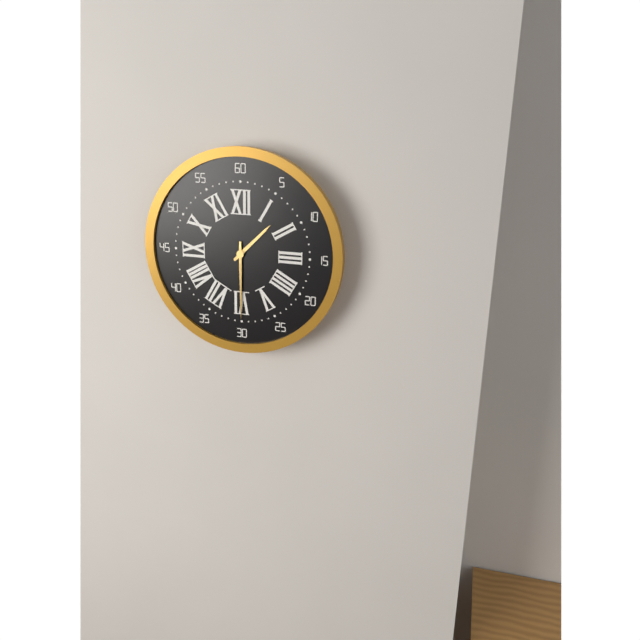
1:30
